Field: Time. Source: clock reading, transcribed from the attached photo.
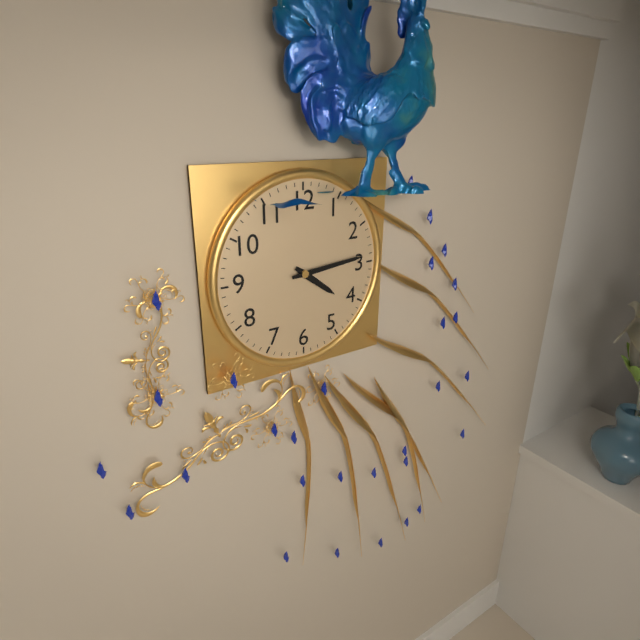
4:14
